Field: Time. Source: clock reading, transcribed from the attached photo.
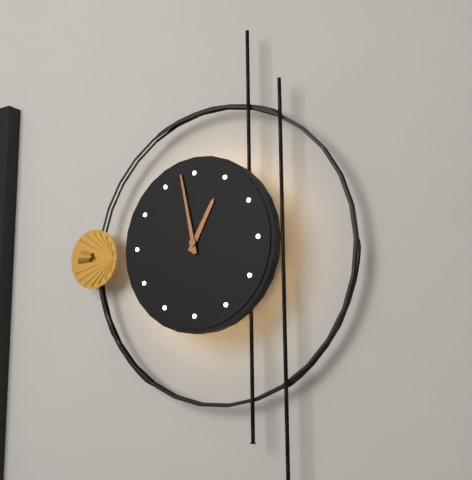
12:58
